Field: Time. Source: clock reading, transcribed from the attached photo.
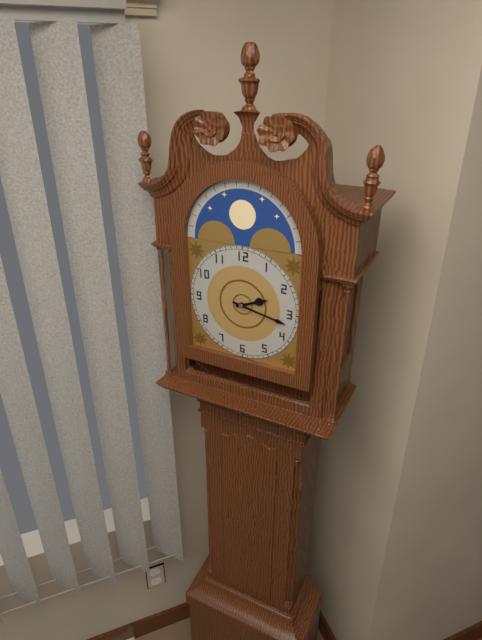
2:17
